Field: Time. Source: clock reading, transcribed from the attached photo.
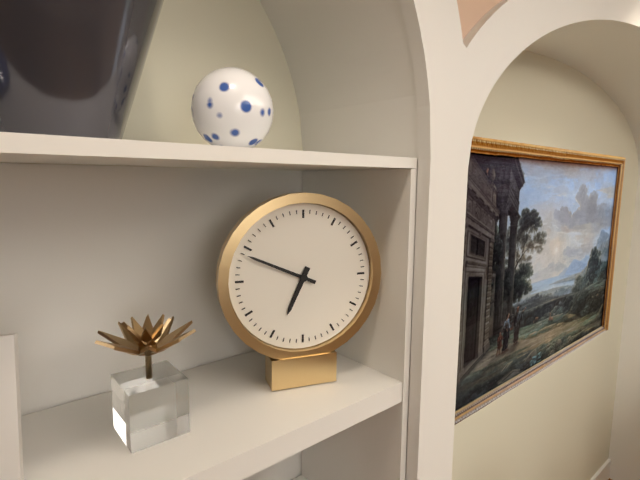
6:49
